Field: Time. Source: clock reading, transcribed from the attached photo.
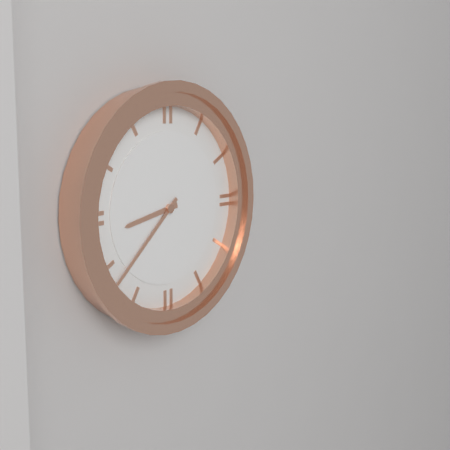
8:38
